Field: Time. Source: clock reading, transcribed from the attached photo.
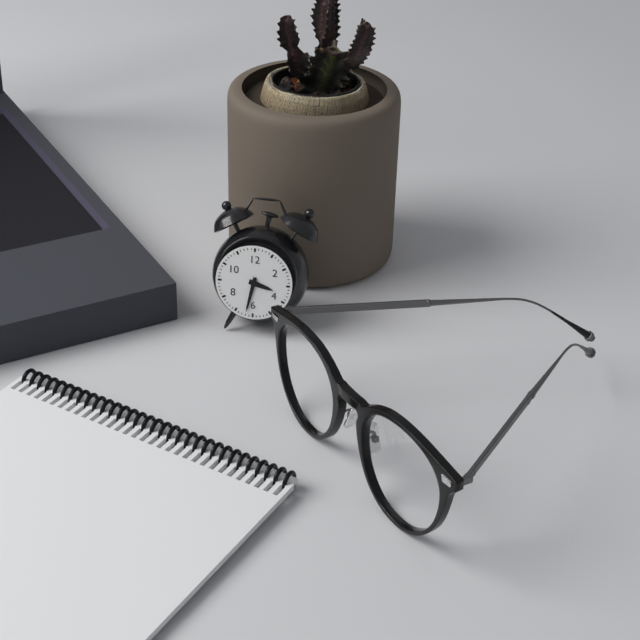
3:32
